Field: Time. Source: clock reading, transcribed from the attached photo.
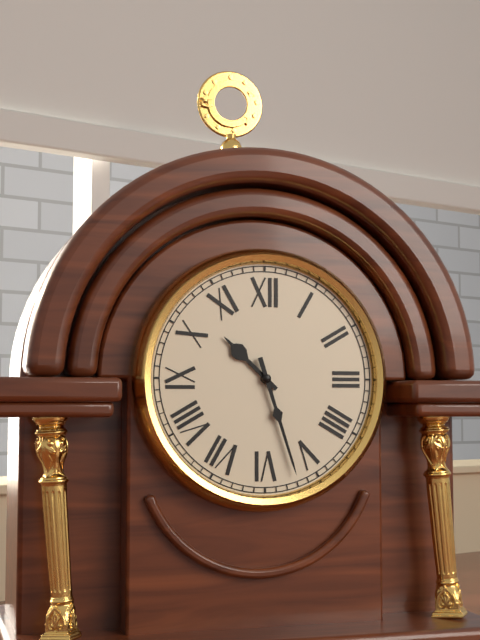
10:27
